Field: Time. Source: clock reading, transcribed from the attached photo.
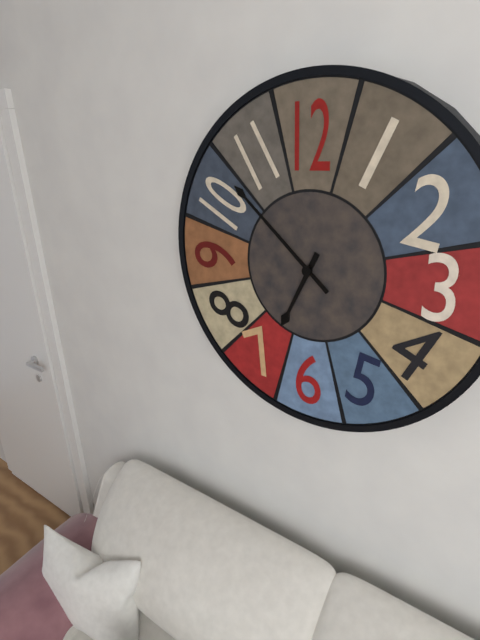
6:52
